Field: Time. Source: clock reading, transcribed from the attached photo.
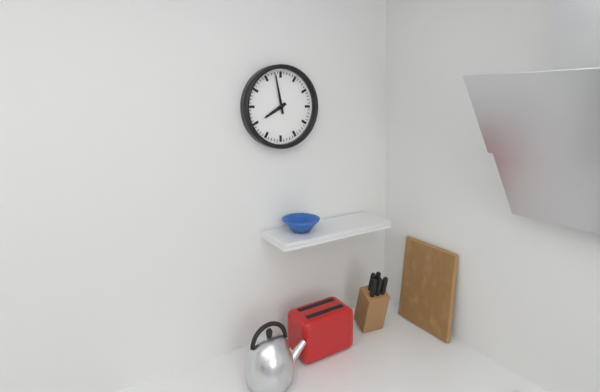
7:58
